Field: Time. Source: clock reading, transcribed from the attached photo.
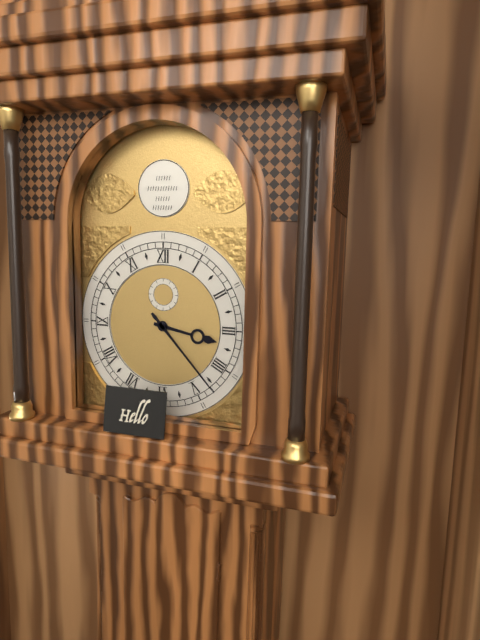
3:23
